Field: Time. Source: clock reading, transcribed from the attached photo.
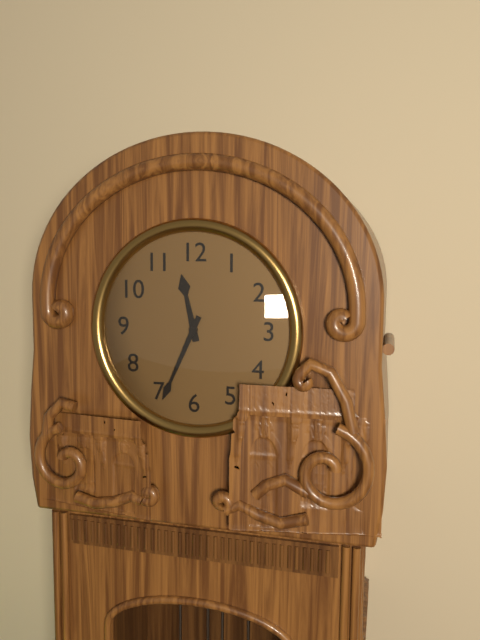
11:34
